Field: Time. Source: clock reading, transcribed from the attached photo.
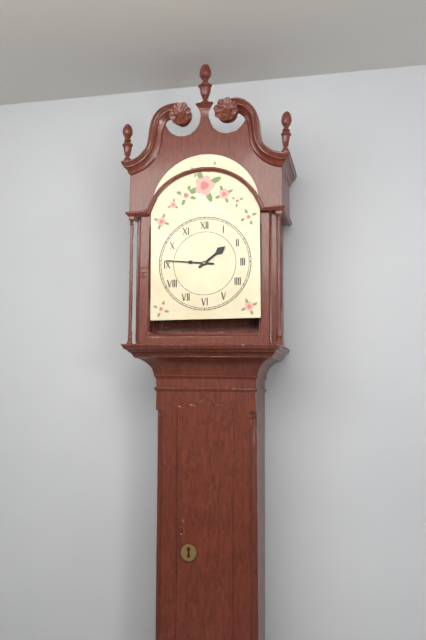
1:46
